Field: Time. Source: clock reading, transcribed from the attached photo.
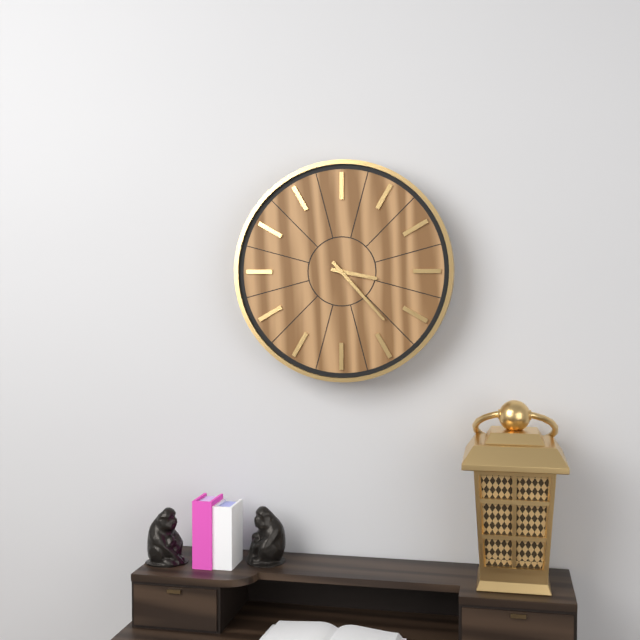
3:23
